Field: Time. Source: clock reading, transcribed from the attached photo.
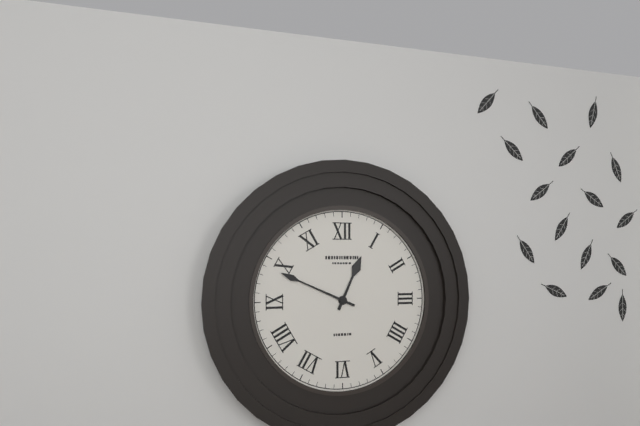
12:49
